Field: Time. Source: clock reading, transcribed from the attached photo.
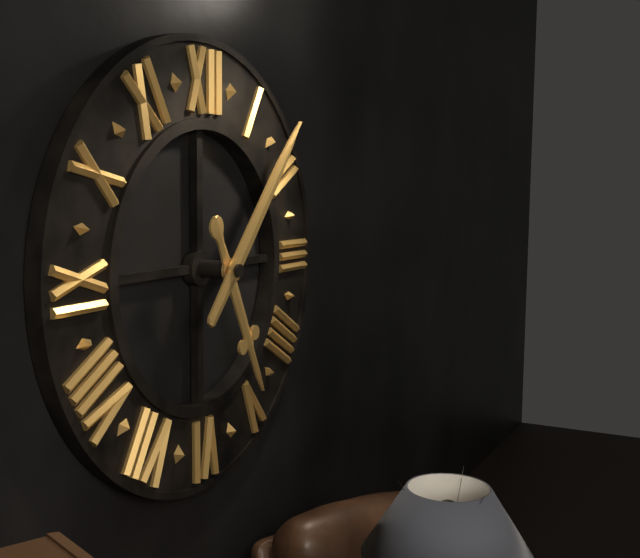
5:07
